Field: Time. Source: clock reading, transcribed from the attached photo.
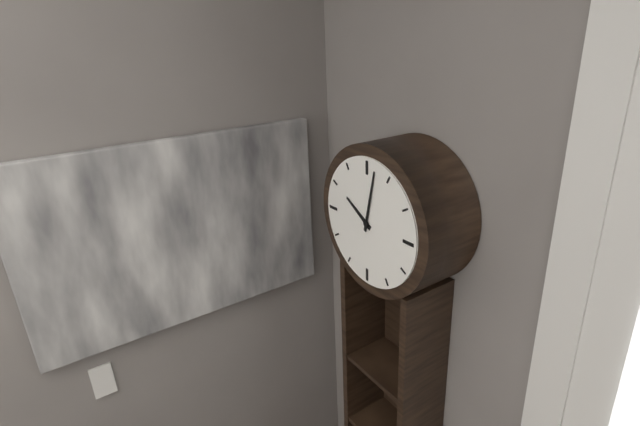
10:02
